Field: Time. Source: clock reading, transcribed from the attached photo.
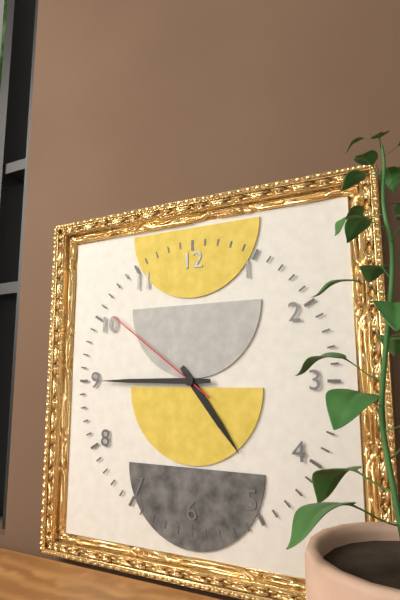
4:45:51
